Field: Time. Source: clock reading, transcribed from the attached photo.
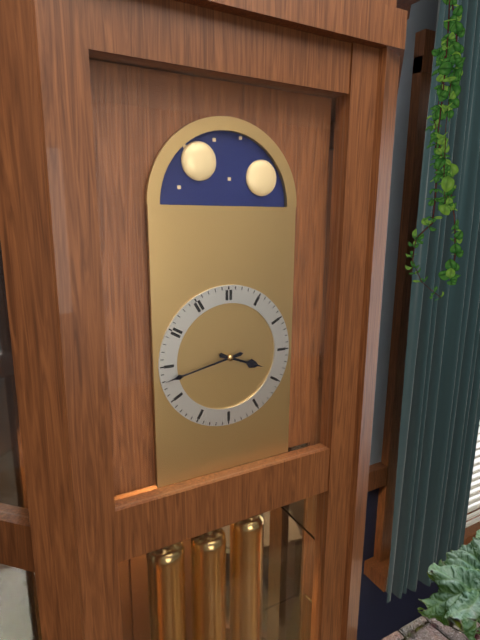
3:43
